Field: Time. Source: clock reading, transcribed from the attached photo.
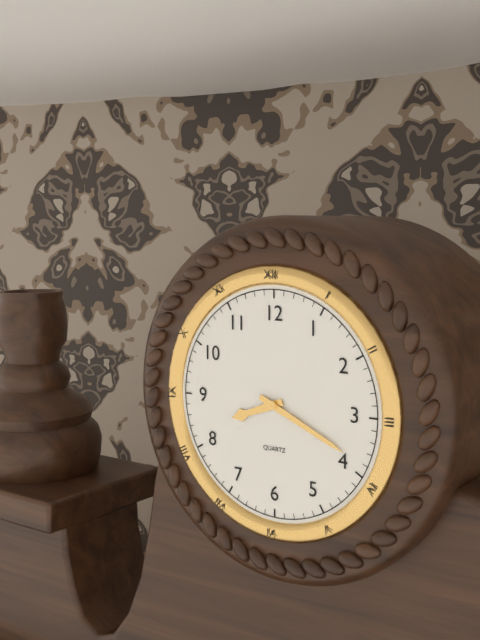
8:19
